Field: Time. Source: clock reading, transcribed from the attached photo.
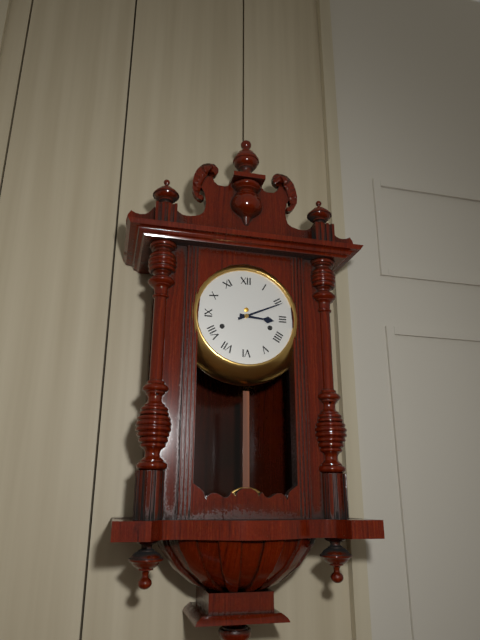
3:11
